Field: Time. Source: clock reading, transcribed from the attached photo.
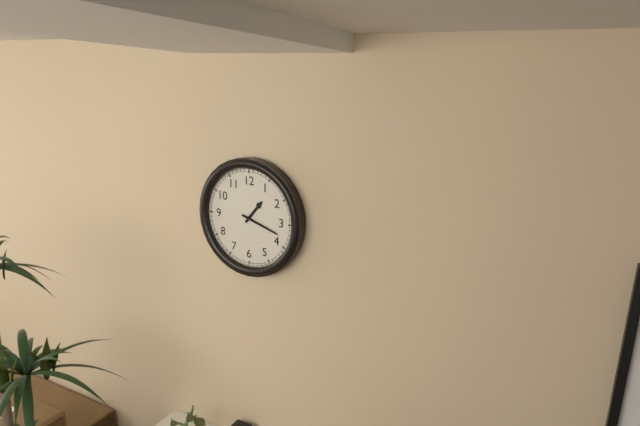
1:18
